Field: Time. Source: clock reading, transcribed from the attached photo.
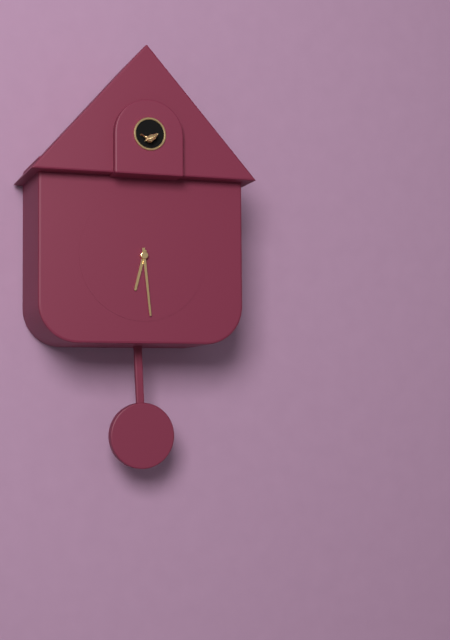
6:29
